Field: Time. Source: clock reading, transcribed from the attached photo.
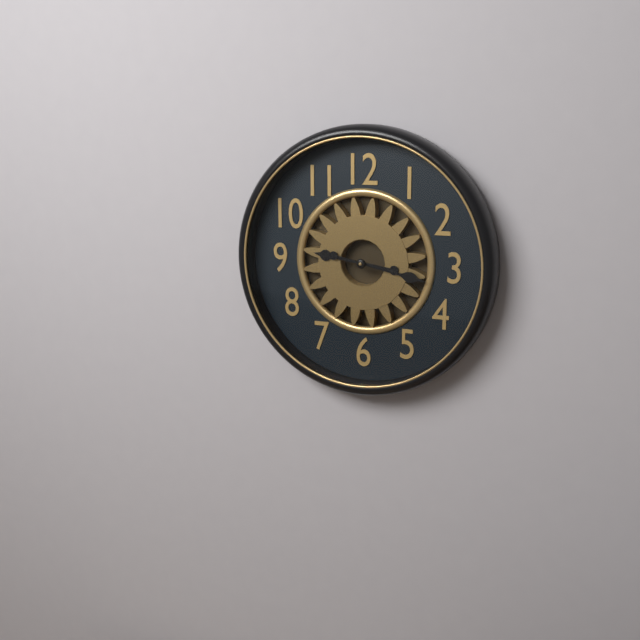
9:17
